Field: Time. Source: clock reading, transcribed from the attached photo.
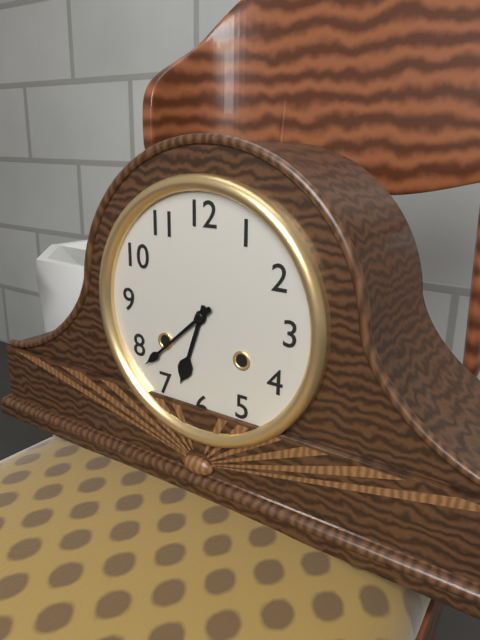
6:38
